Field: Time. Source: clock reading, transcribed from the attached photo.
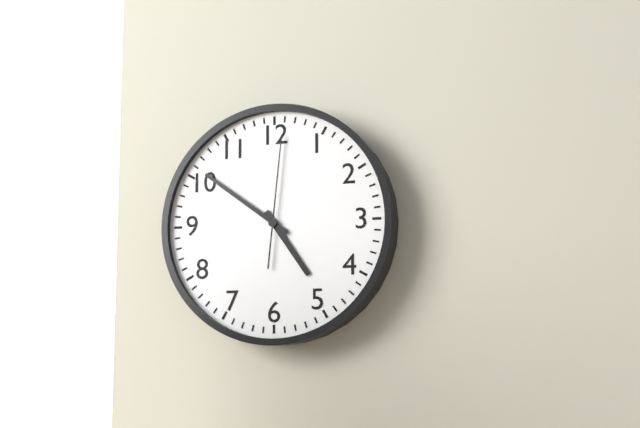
4:51:01
